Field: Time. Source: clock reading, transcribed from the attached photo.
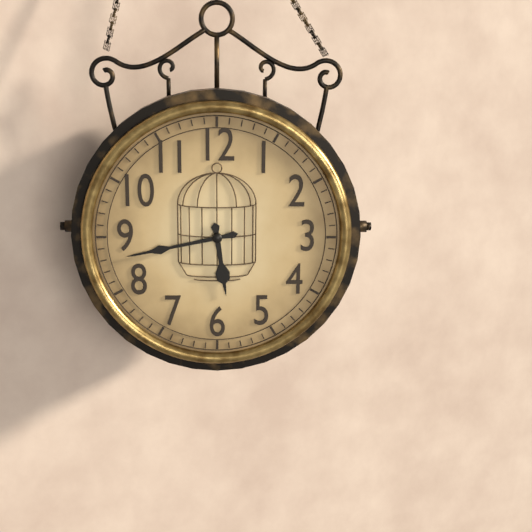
5:43
